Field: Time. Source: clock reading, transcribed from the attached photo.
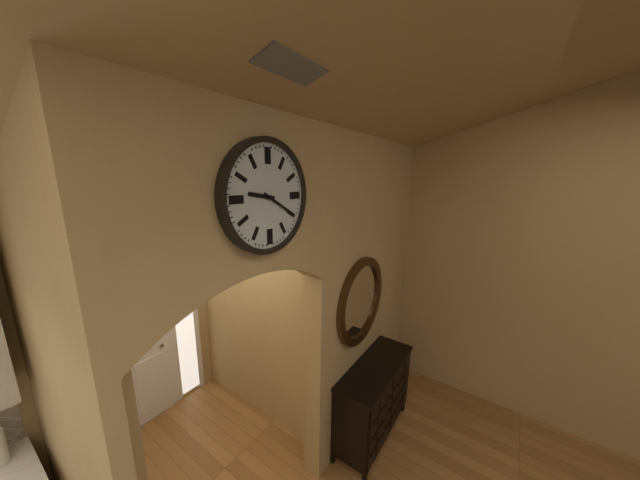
9:20
